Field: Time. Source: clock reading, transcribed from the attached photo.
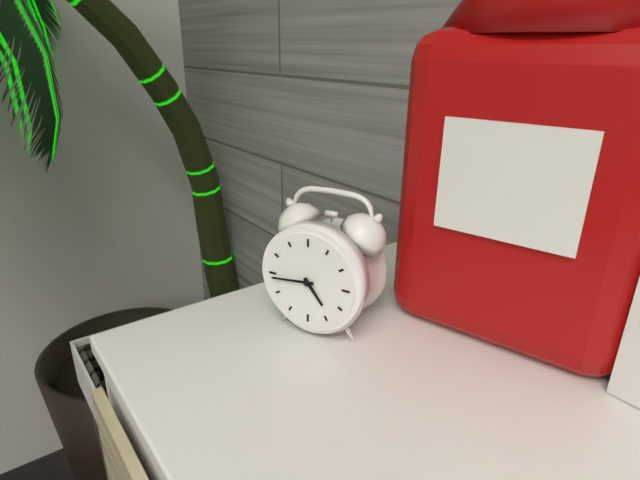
4:44
